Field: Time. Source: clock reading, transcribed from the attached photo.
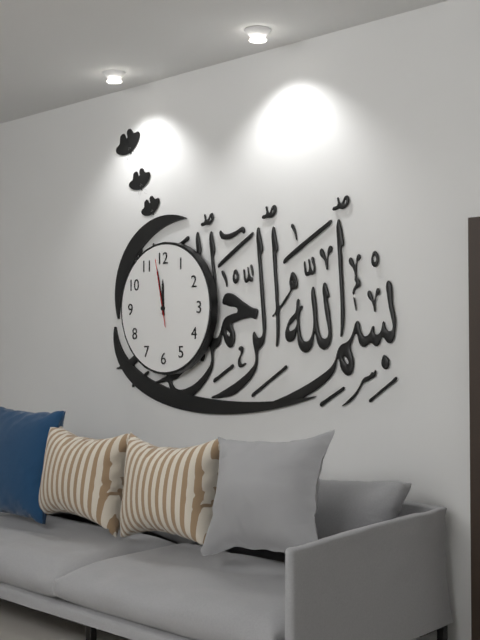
11:58:58
